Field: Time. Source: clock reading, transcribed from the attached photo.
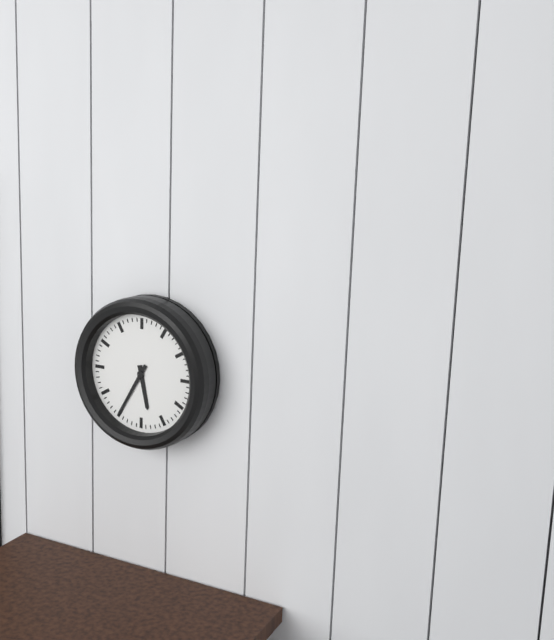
5:35
